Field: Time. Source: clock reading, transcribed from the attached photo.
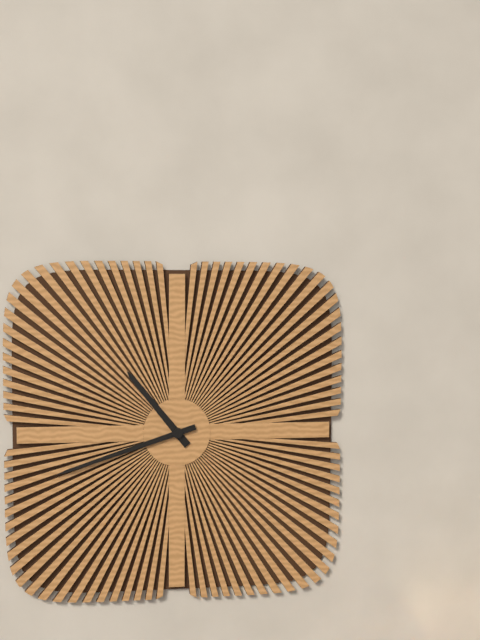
10:42
